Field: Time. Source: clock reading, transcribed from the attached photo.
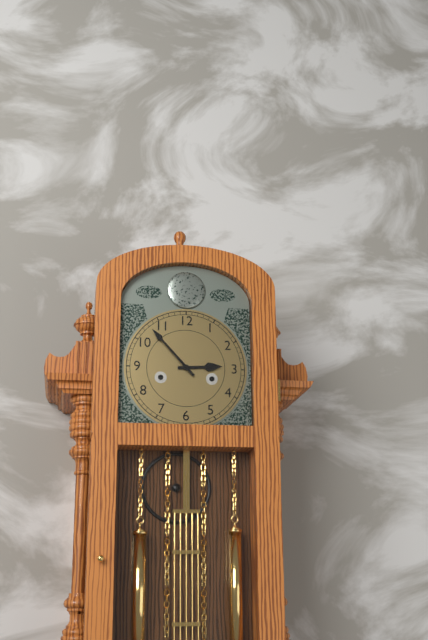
2:53
